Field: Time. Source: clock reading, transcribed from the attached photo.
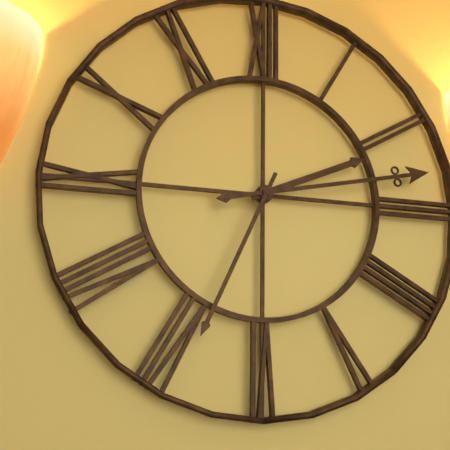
2:13:34
